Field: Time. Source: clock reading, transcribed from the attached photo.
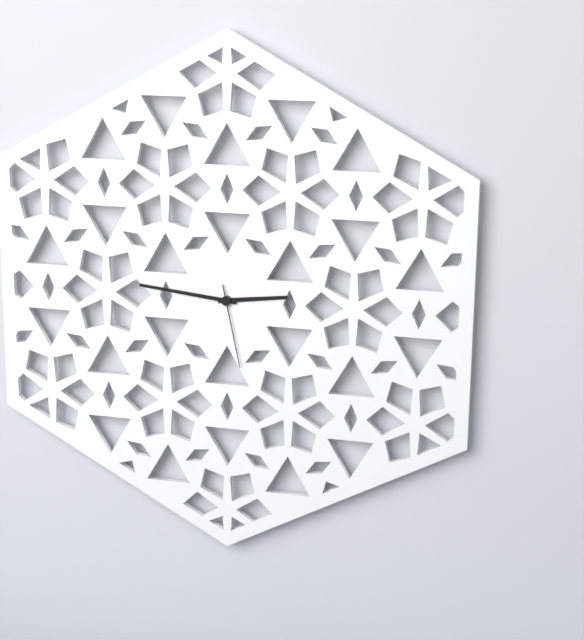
2:46:28
